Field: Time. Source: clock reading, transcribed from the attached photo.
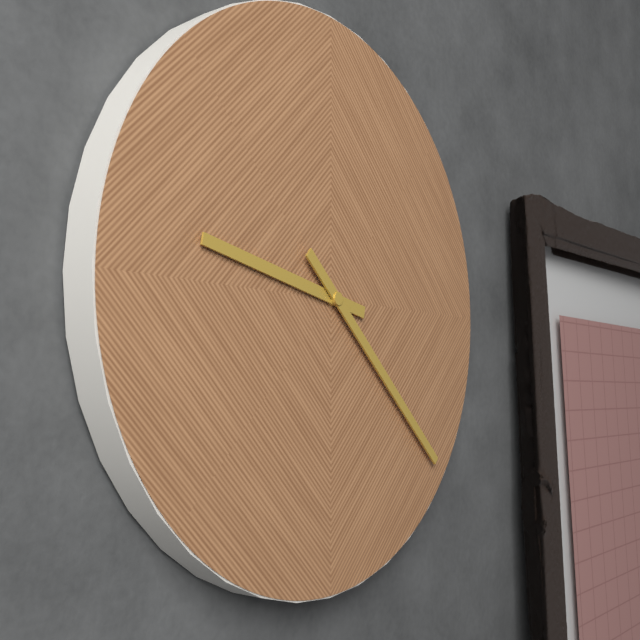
9:22
